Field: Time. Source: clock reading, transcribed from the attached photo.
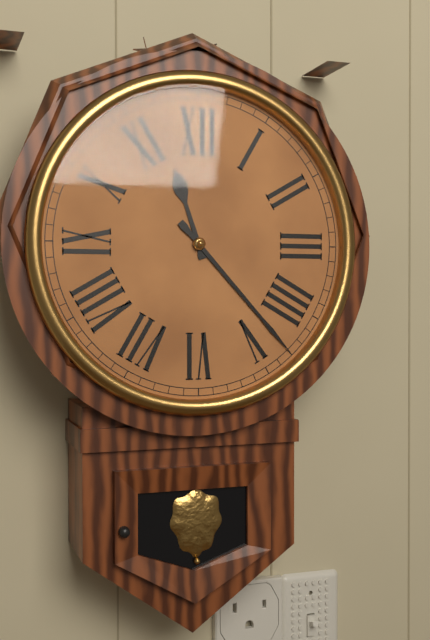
11:23
